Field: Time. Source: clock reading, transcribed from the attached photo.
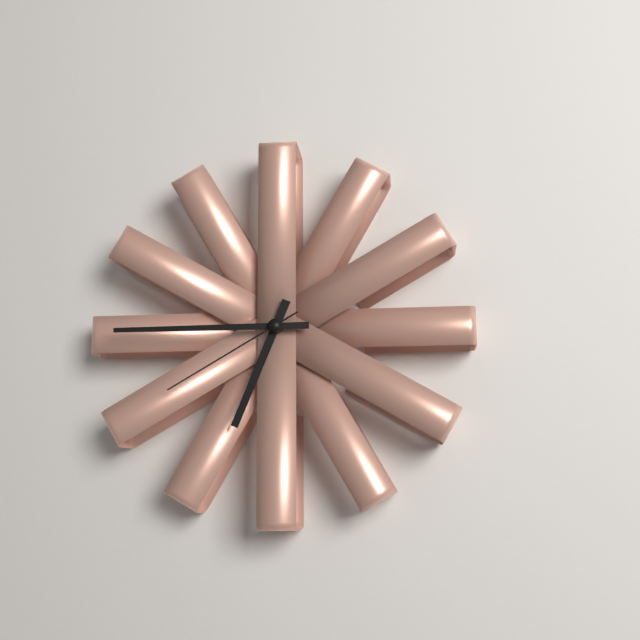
6:45:40
